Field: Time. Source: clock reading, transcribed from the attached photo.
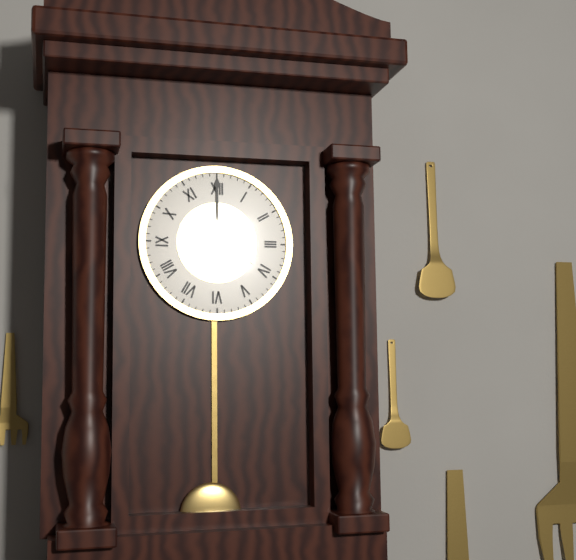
4:00
